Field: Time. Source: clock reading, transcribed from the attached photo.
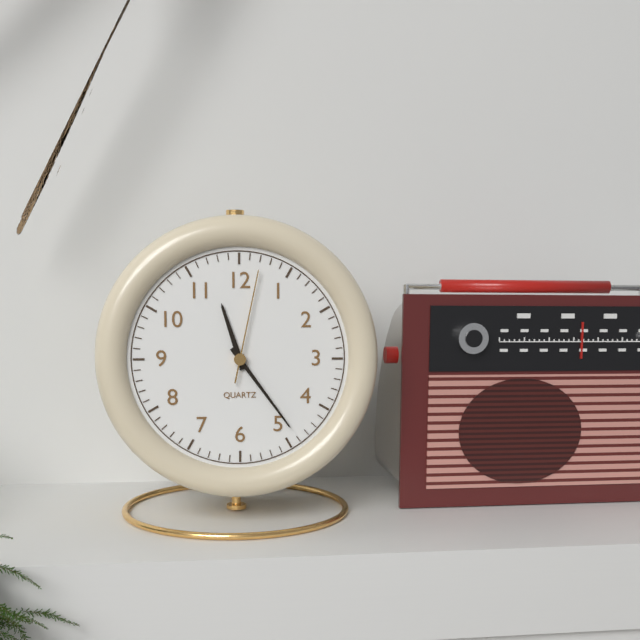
11:24:02
